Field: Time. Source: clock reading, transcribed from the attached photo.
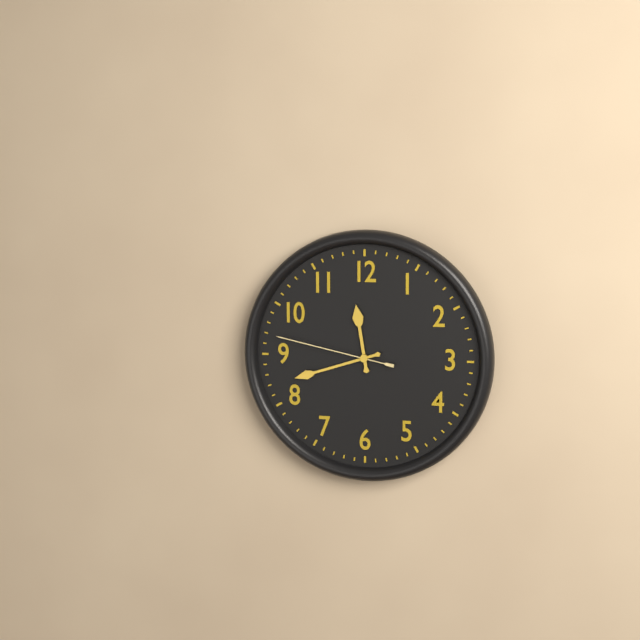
11:42:47
